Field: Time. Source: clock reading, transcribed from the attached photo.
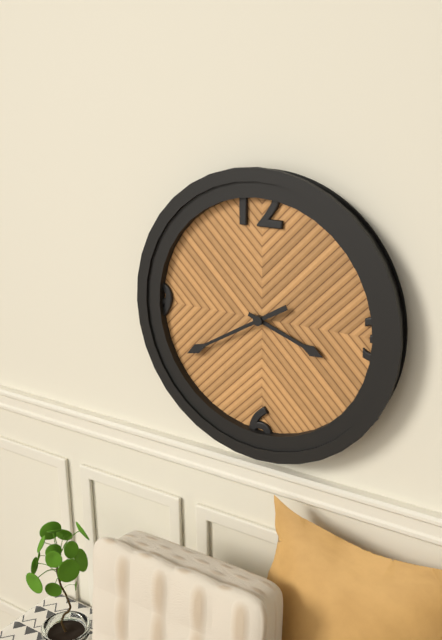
3:40
